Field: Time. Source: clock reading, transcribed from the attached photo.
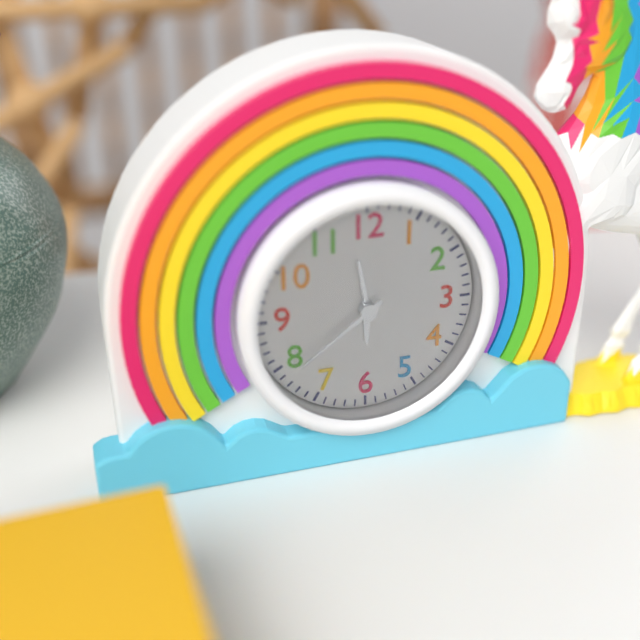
11:39
